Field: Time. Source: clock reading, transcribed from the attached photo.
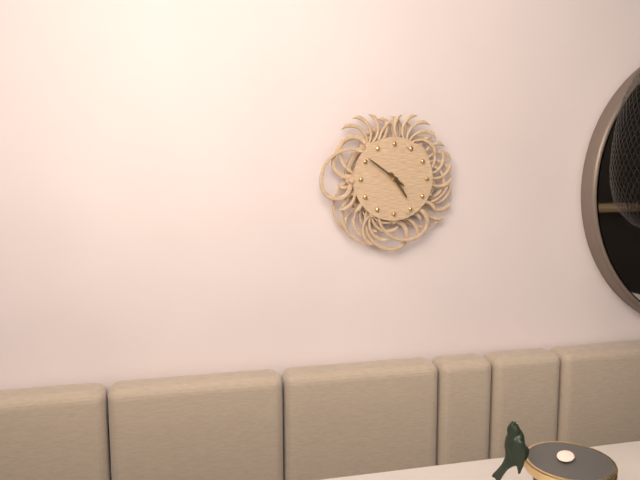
4:51
